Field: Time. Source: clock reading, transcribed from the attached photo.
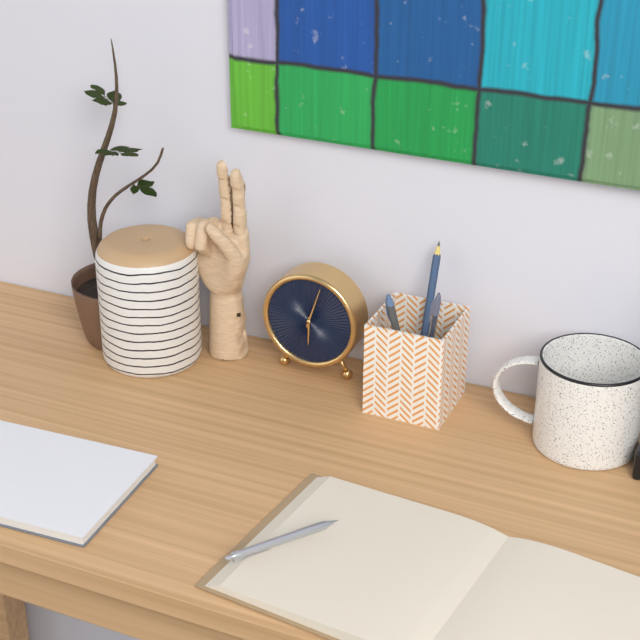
6:03
